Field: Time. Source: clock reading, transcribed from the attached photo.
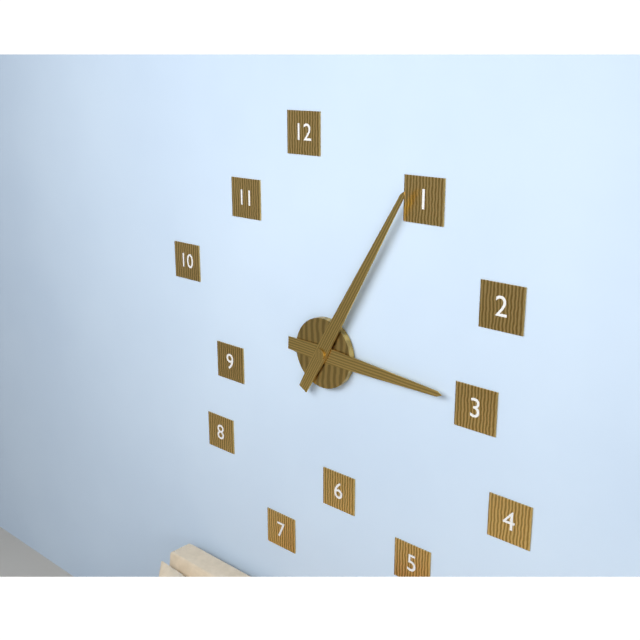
3:05
